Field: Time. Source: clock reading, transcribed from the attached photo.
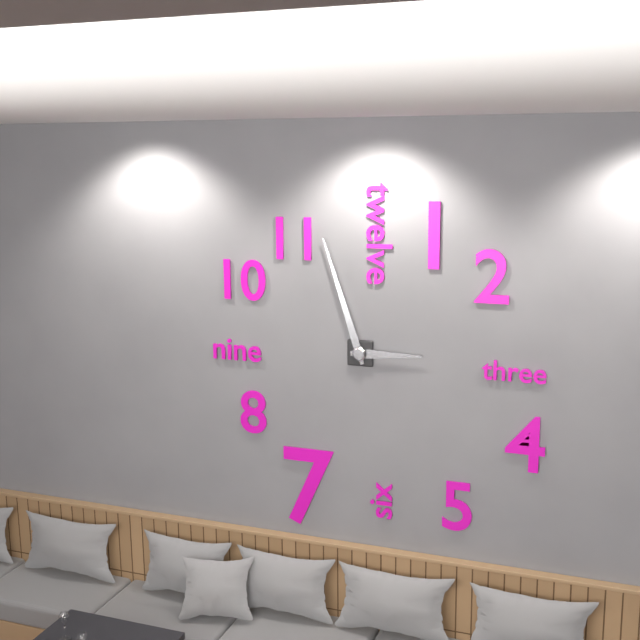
2:57
